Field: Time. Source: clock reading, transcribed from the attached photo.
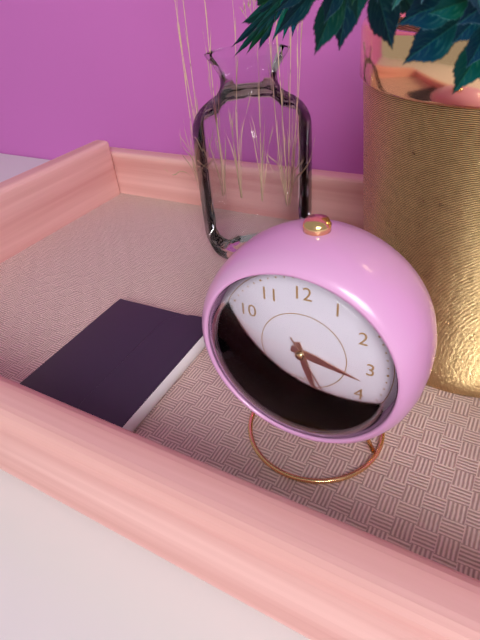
3:27:25
